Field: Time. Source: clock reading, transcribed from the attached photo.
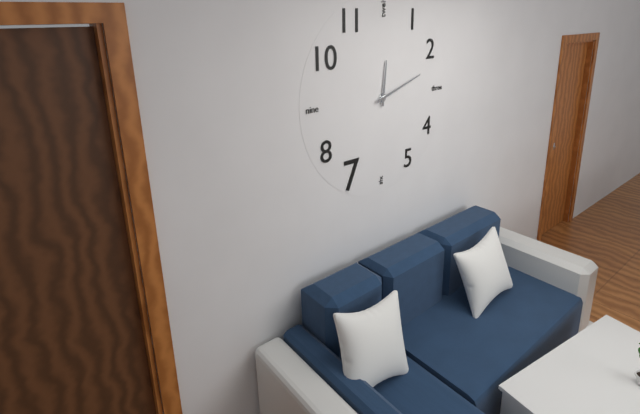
12:12
